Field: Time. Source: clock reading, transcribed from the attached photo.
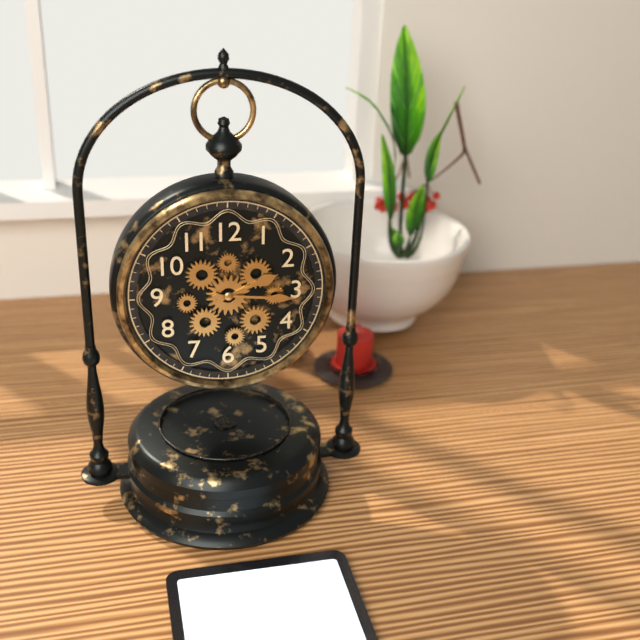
2:16
